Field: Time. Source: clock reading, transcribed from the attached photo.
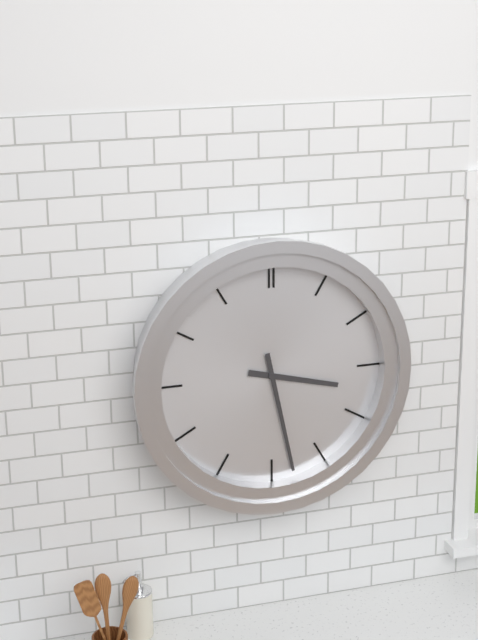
3:28
